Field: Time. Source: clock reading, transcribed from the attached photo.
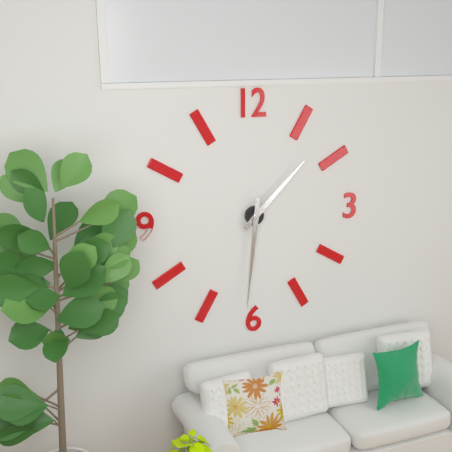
1:31
